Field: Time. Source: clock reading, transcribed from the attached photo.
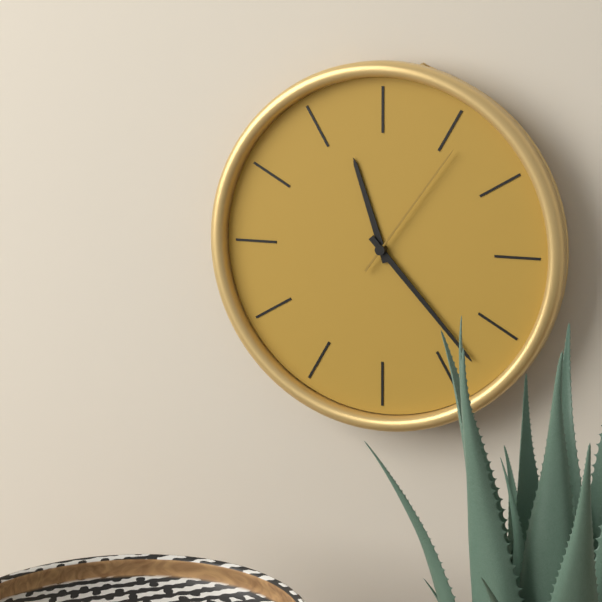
11:23:06
